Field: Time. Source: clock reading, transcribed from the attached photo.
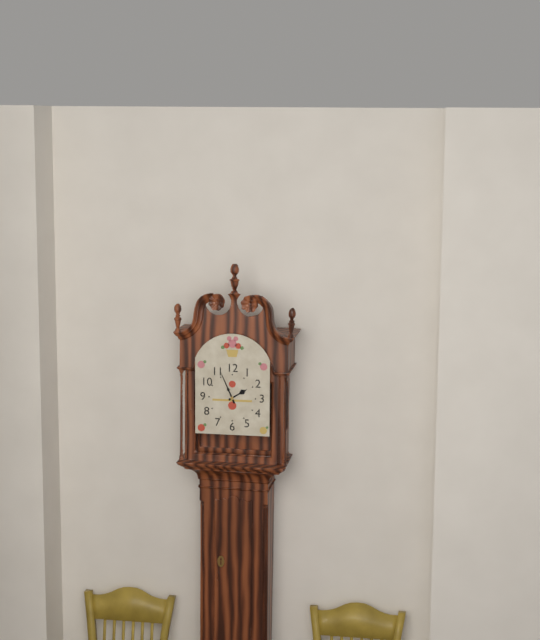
1:56
